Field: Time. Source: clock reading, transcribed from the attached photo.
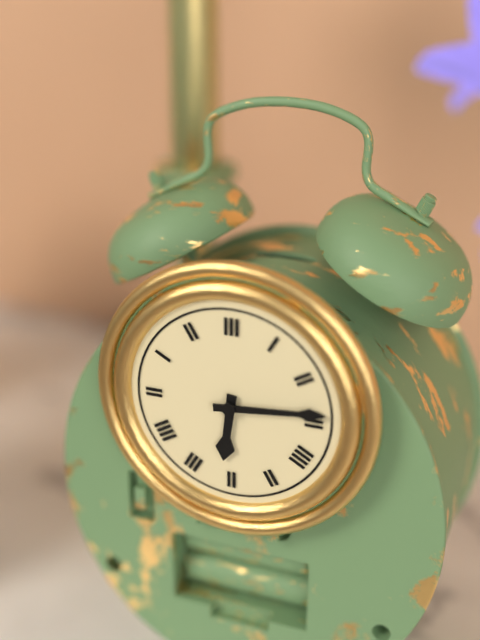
6:14
